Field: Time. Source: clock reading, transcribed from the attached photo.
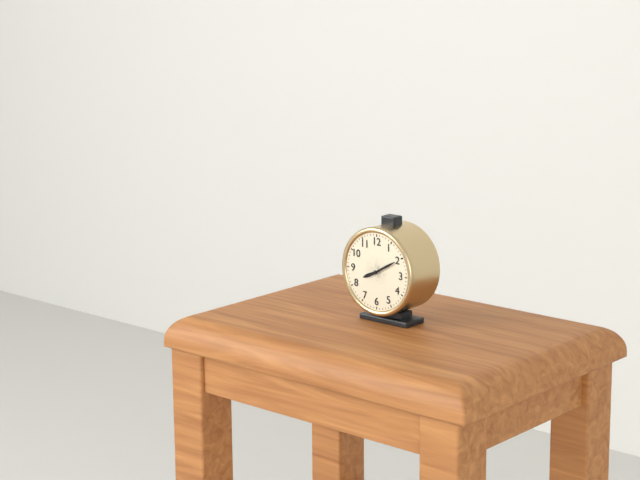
8:10
